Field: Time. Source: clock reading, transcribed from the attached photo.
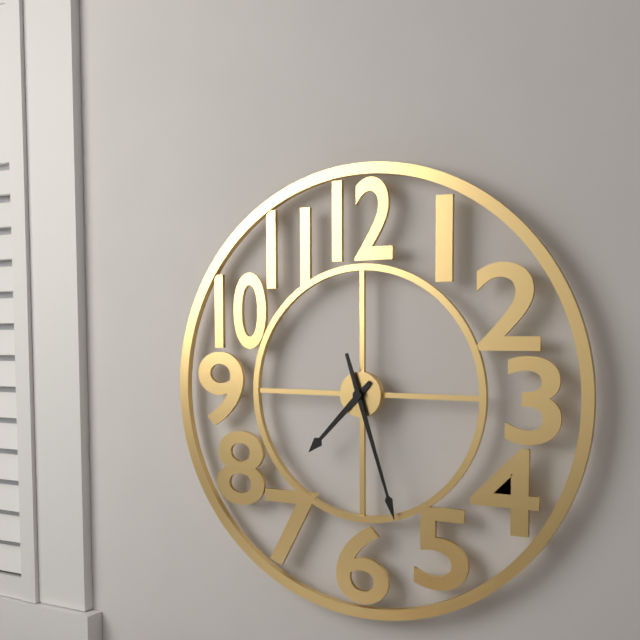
7:27
